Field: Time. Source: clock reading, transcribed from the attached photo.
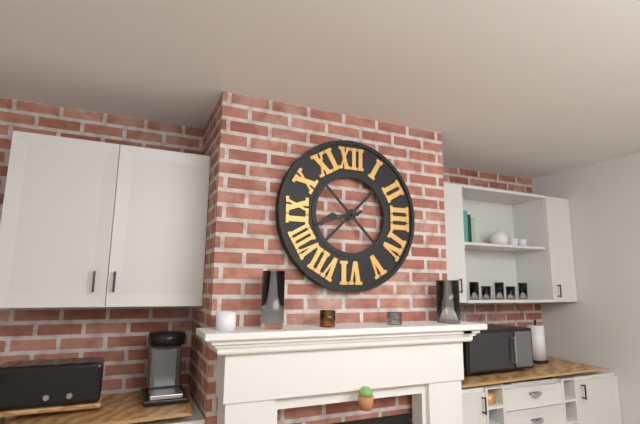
8:42
